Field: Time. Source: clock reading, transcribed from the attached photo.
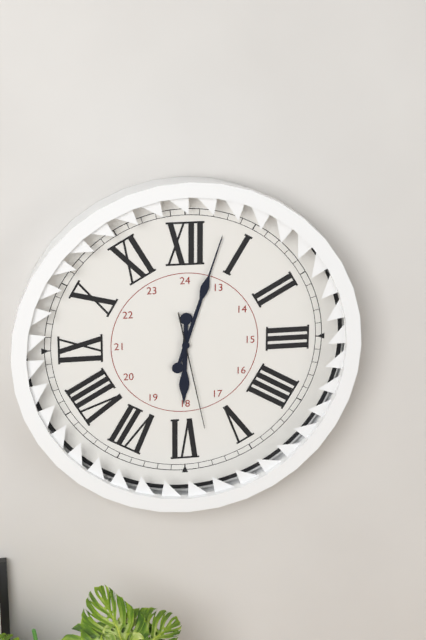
6:03:28
